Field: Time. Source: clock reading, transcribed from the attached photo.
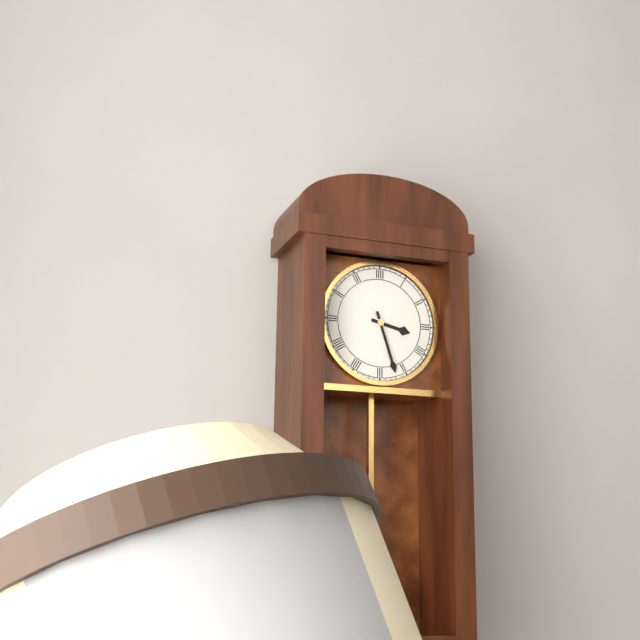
3:27
